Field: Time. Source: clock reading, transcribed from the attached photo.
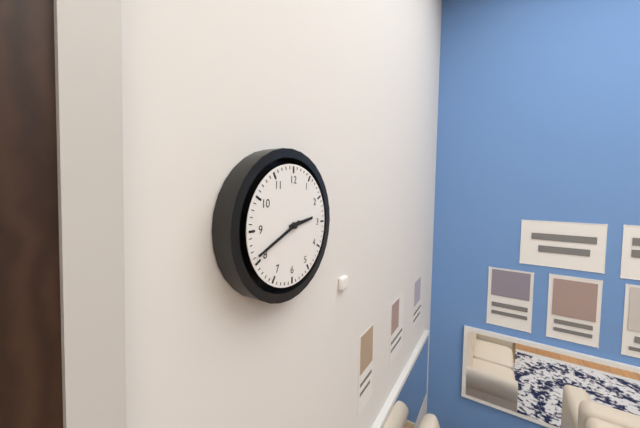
2:41
